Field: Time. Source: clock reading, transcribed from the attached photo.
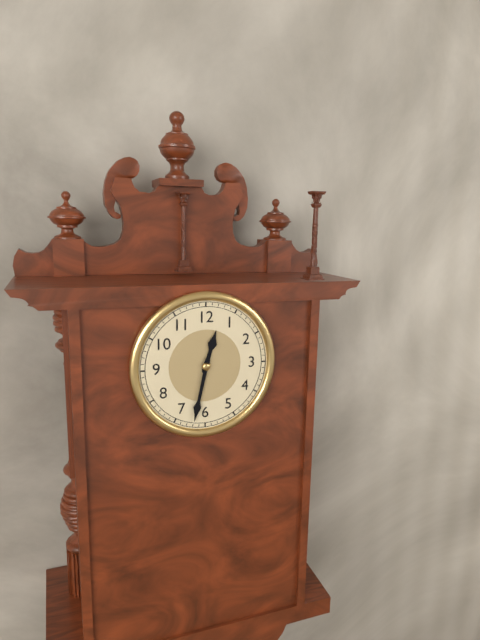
12:32
